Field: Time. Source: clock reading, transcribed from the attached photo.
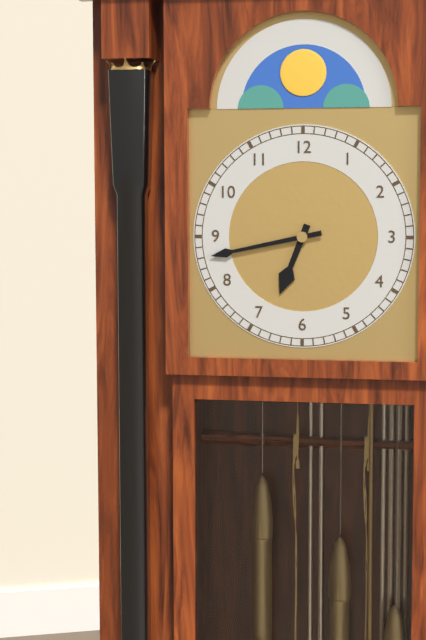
6:43
